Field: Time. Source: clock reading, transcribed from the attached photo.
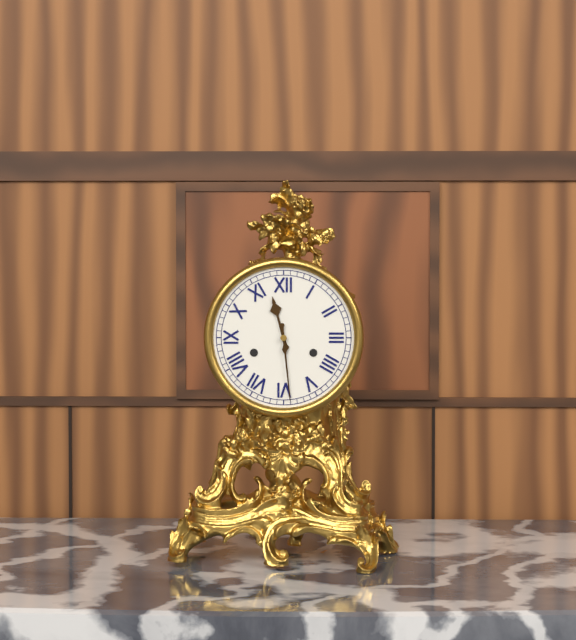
11:29
